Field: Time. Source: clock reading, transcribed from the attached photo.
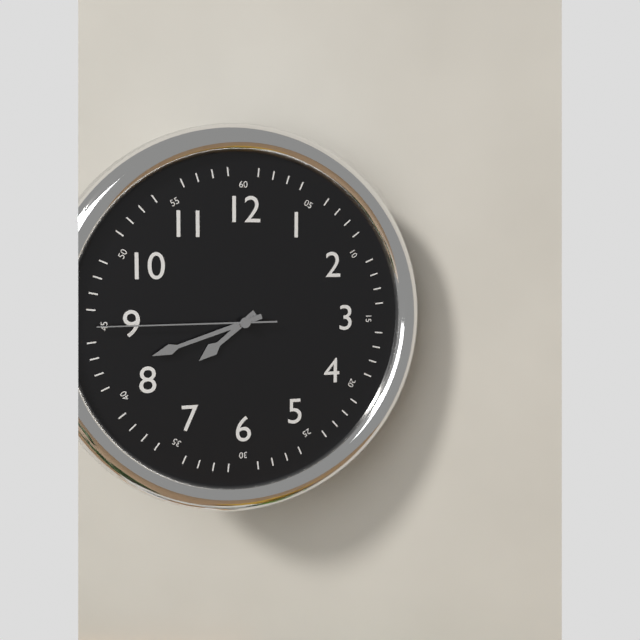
7:42:45
